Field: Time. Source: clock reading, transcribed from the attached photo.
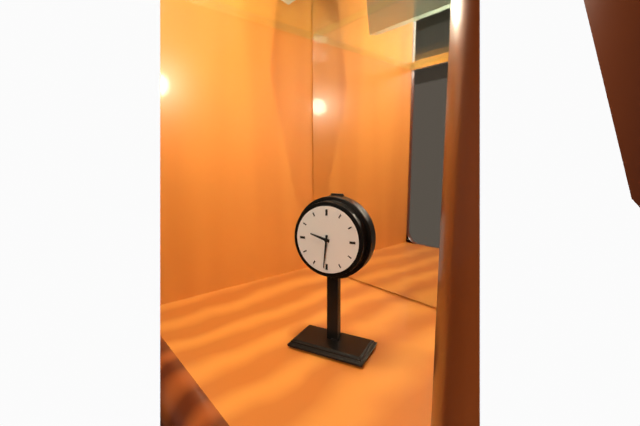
9:31
